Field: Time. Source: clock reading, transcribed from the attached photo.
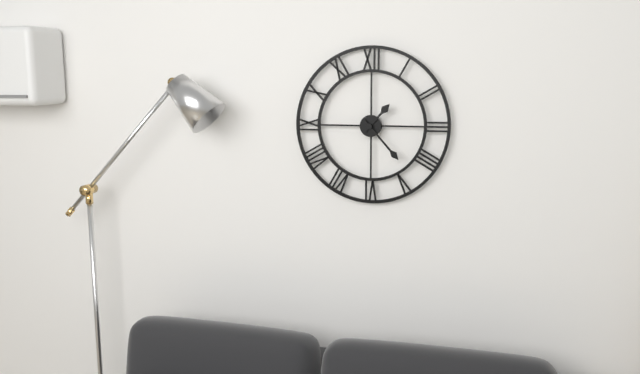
1:23
